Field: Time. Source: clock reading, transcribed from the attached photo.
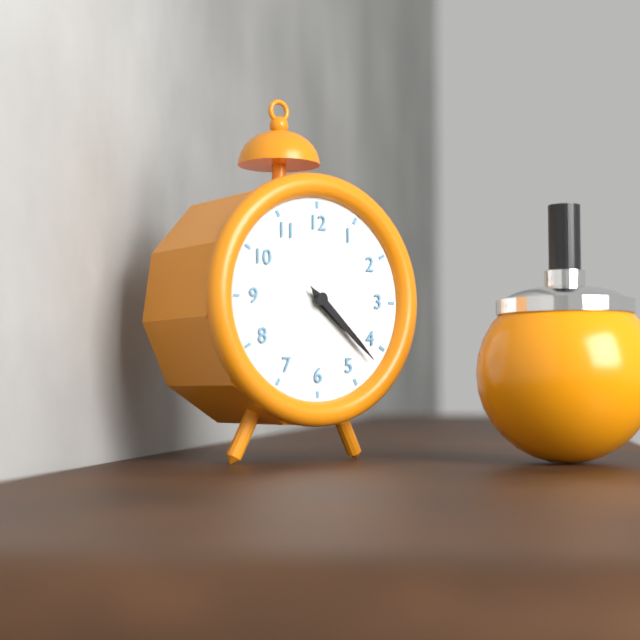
4:22
